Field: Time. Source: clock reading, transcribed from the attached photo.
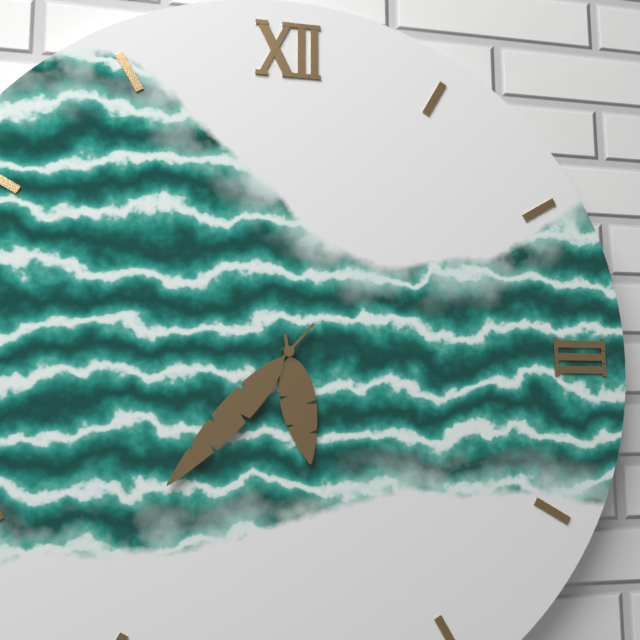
5:37
